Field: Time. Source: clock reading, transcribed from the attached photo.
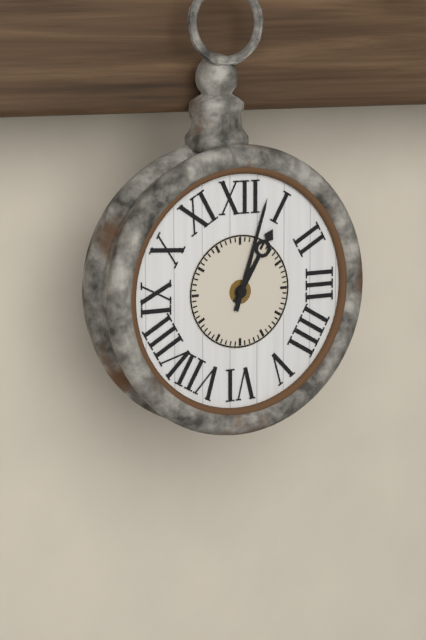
1:03
